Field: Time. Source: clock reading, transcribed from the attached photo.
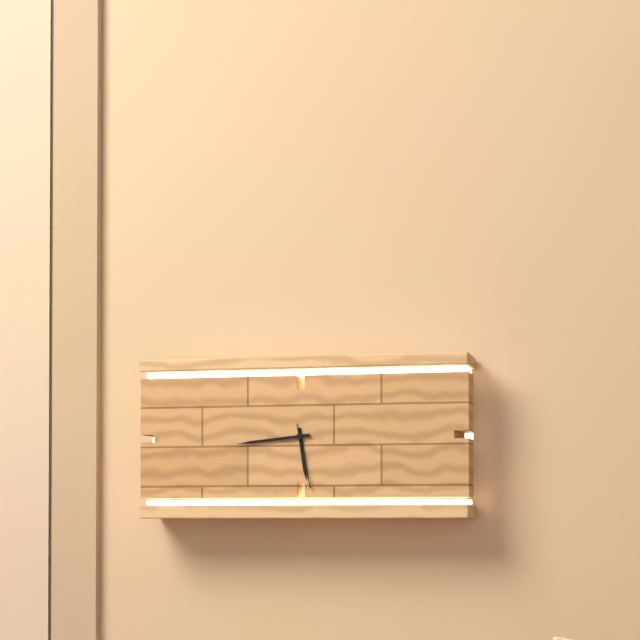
5:44:28
